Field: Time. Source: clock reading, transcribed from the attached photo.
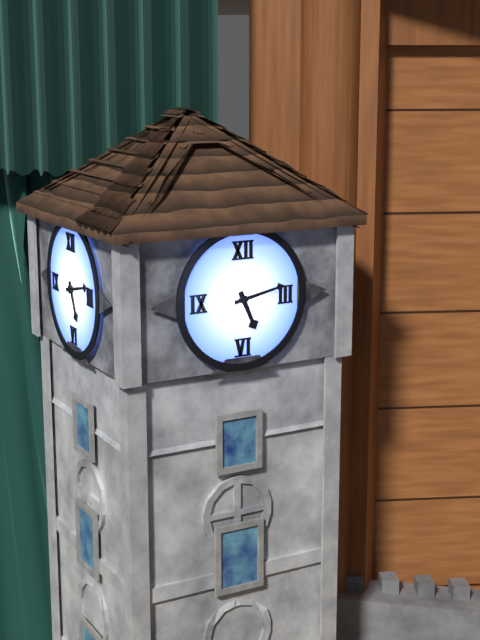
5:13
